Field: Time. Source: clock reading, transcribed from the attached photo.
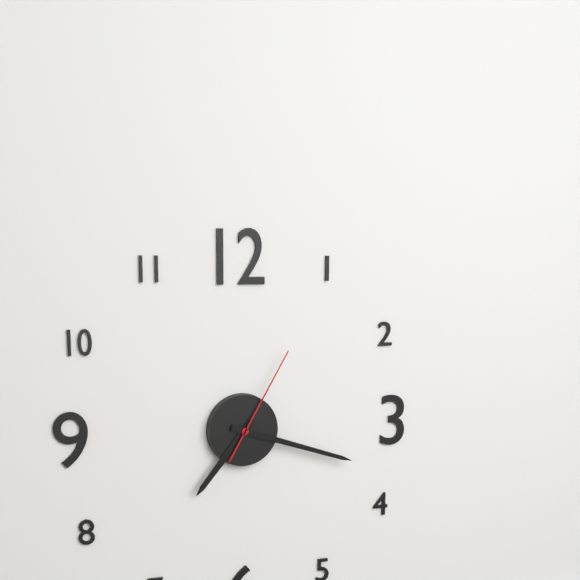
7:18:05
